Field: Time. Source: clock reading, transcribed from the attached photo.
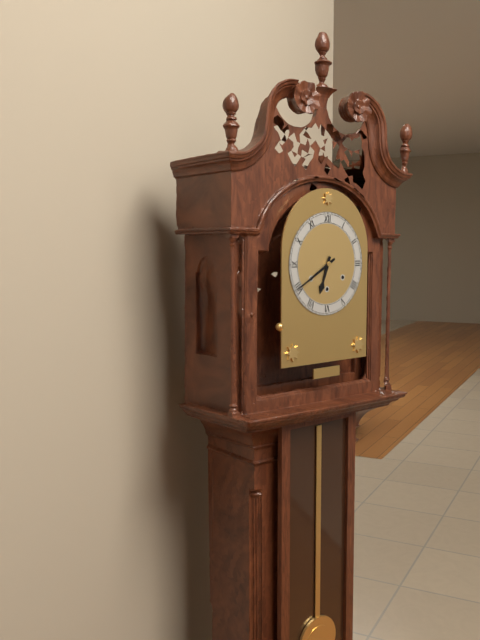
6:40
